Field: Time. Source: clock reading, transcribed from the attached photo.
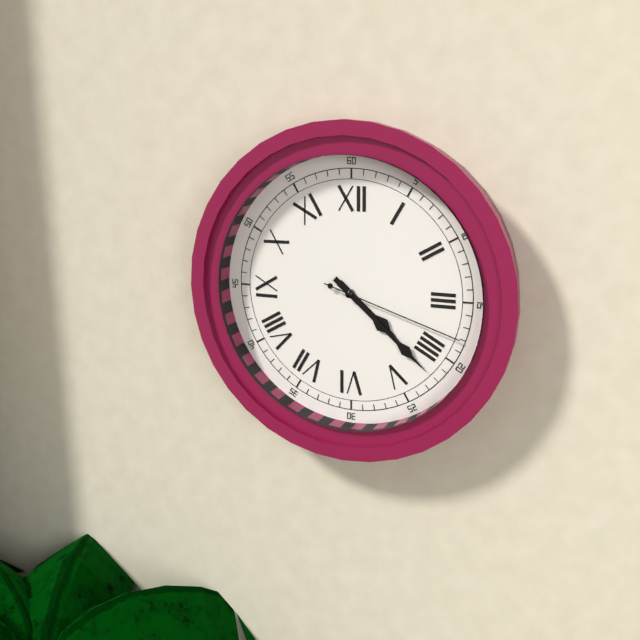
4:22:18
